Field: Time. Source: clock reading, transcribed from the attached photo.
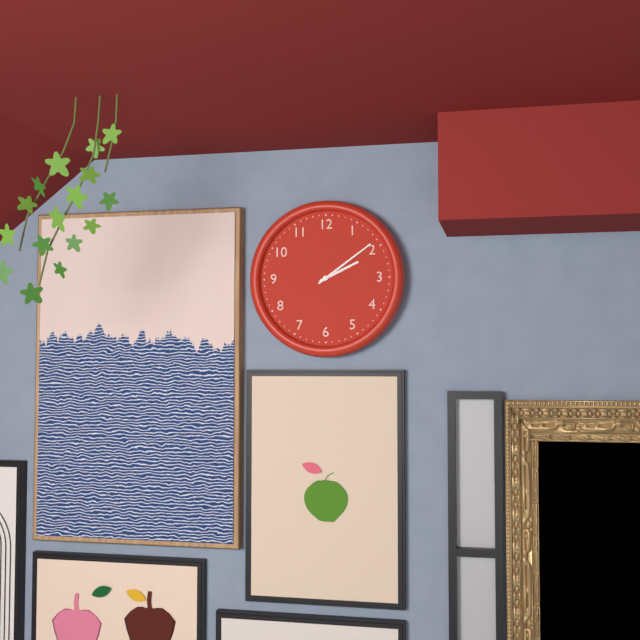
2:09
